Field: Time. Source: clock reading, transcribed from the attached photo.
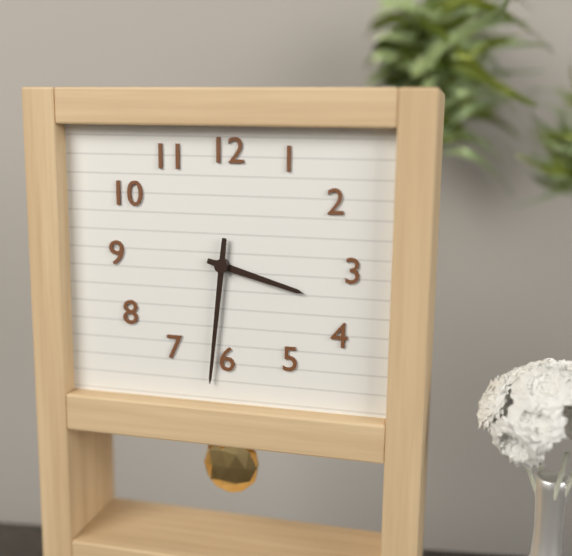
3:31
